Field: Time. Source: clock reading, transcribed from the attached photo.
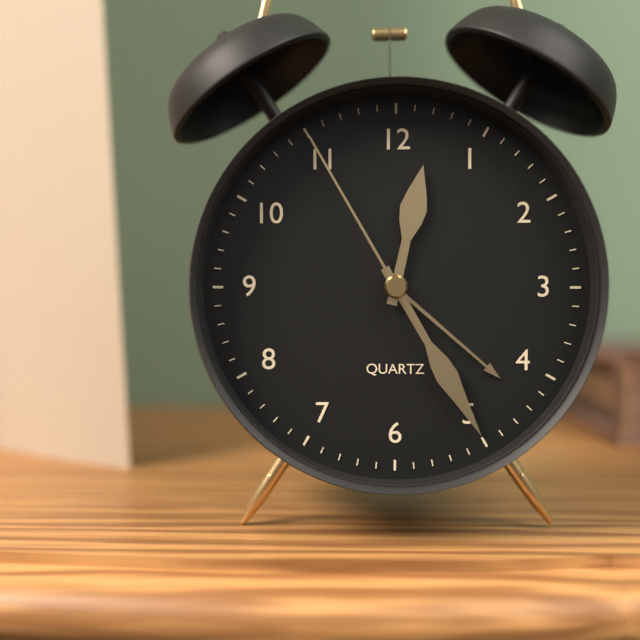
12:25:55
